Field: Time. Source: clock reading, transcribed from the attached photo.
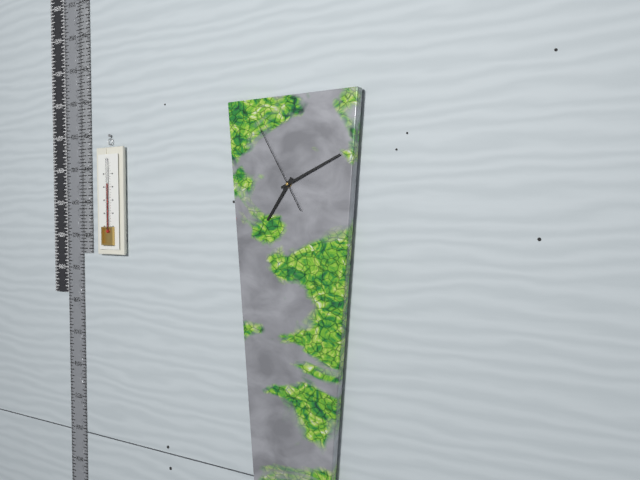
7:11:55
